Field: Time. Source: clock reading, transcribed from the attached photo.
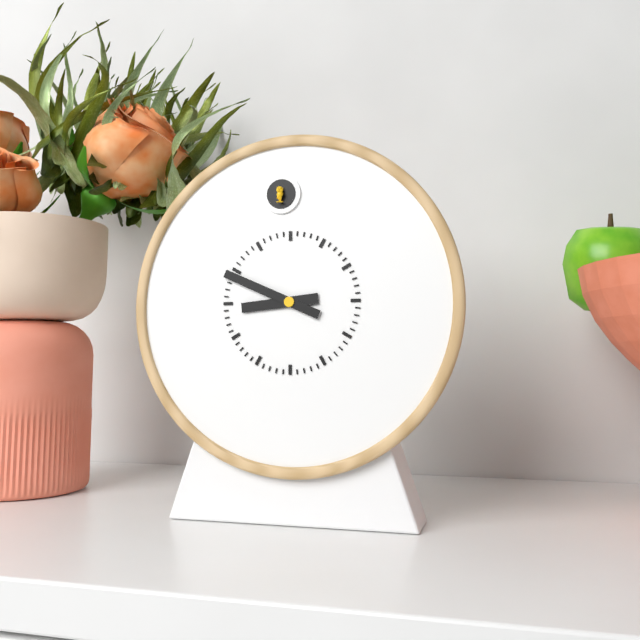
8:49
